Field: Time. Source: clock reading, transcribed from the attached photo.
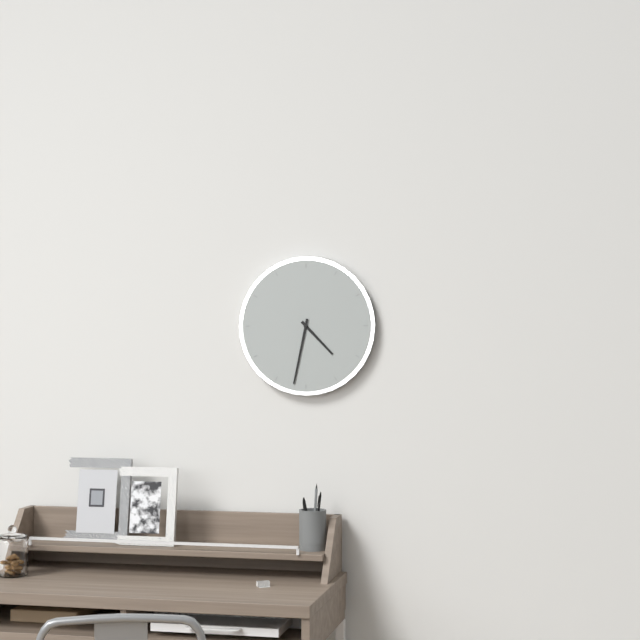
4:32
